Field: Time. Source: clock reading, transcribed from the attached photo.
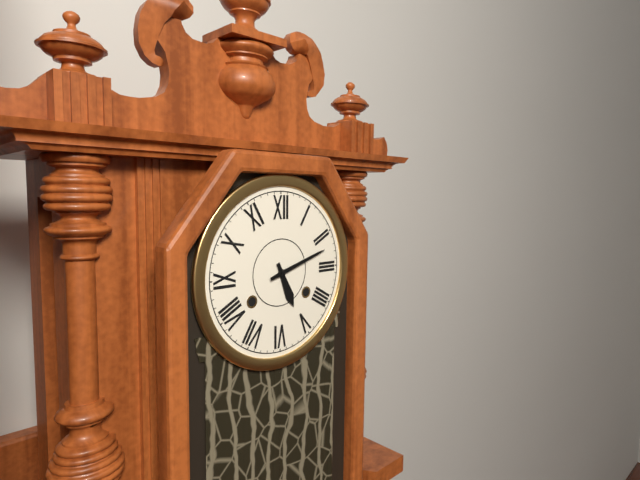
5:12
